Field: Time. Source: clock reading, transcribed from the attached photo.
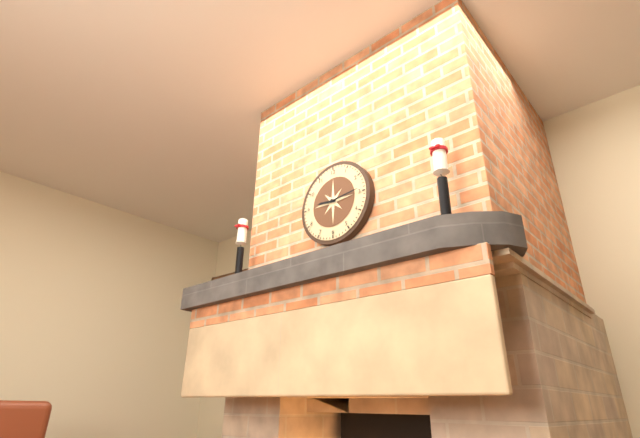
9:14
